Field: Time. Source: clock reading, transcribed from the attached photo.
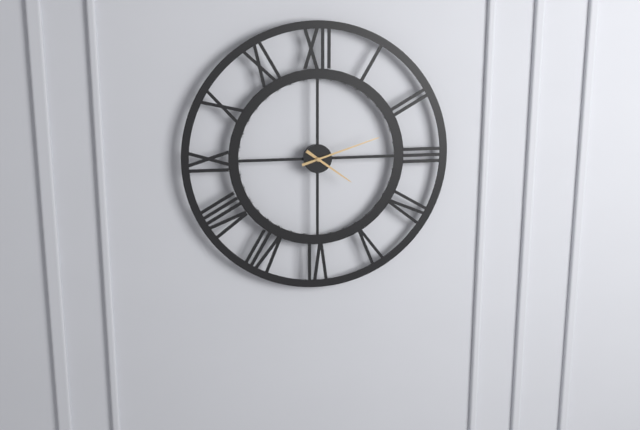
4:12
